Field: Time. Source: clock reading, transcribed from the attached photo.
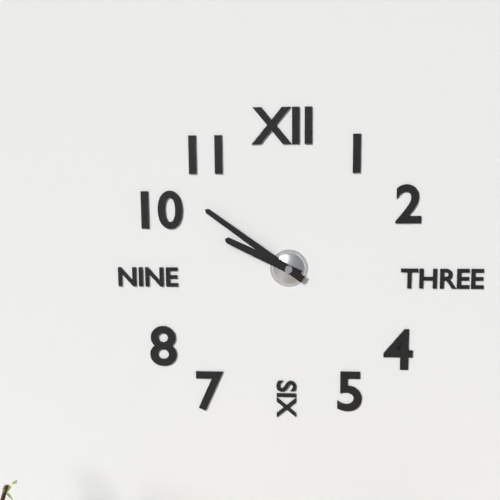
9:51
